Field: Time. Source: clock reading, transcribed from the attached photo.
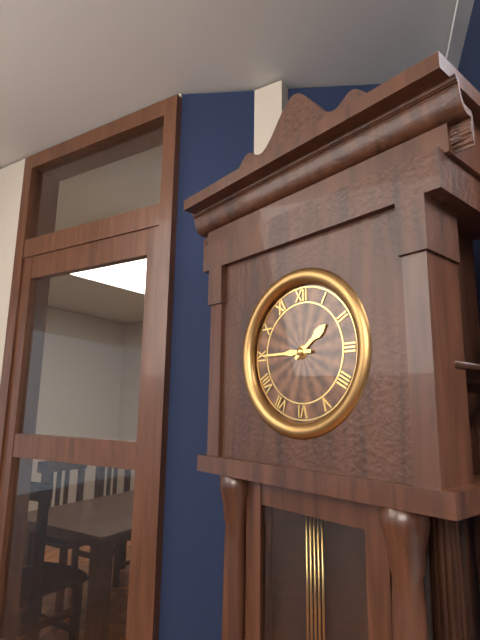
1:45
